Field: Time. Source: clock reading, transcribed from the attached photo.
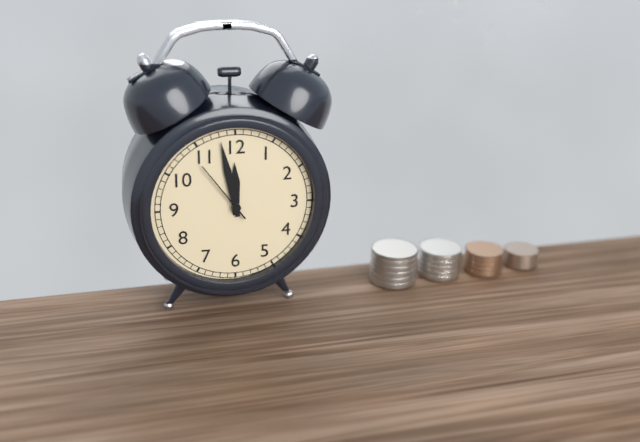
11:58:54
